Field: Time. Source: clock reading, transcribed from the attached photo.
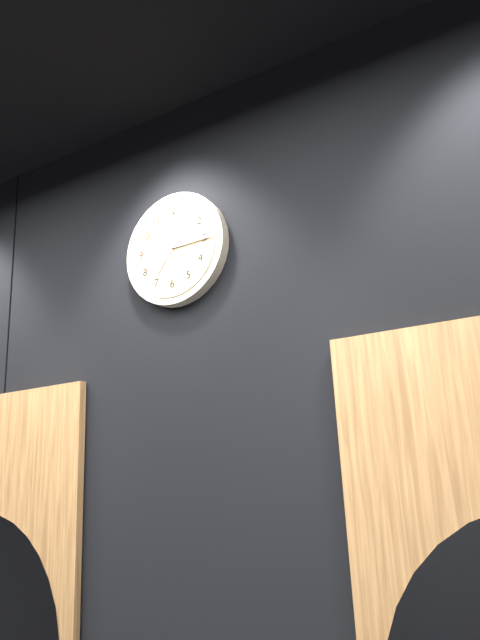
7:15
